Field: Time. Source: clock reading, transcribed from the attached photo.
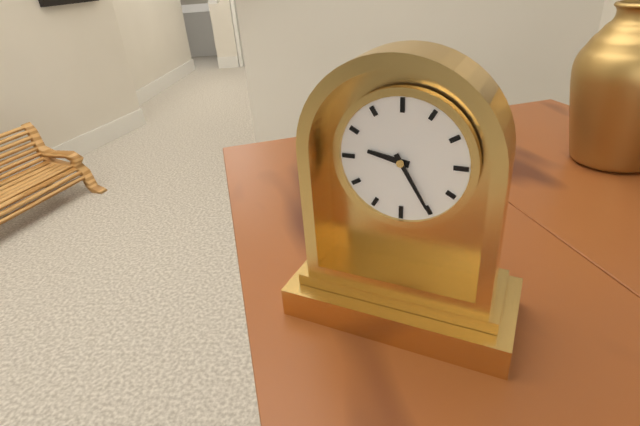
9:25
